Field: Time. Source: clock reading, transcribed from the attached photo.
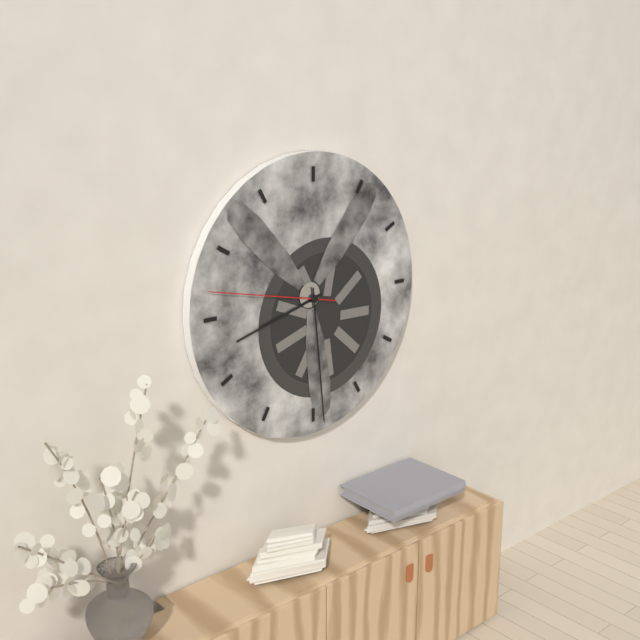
8:29:47
